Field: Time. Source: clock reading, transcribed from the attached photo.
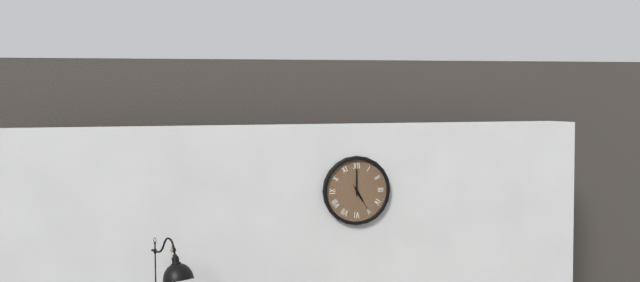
5:00
